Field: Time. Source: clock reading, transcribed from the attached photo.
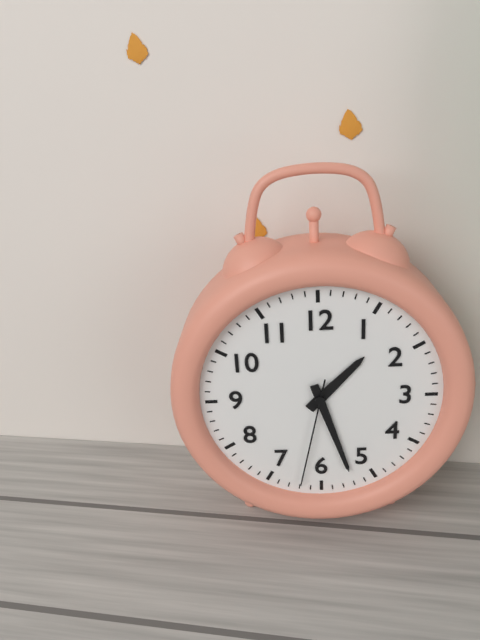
1:27:32
